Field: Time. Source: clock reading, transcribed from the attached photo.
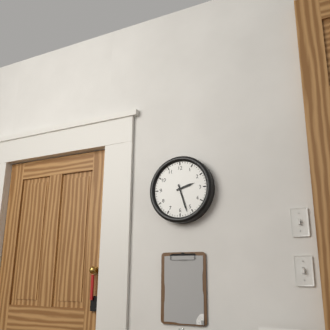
2:27
